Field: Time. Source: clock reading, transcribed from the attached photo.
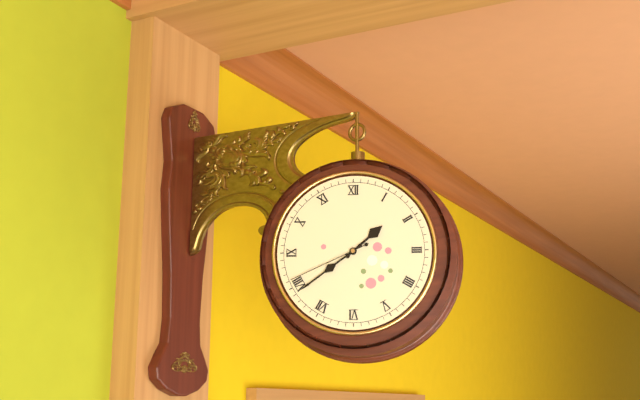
1:39:41
